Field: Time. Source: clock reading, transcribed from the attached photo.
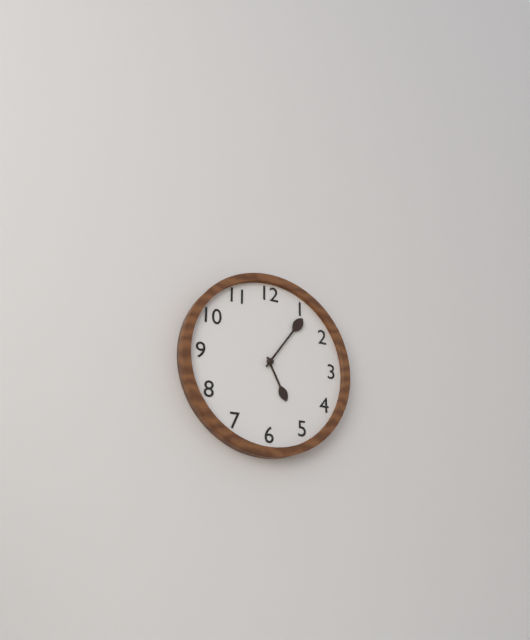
5:06
